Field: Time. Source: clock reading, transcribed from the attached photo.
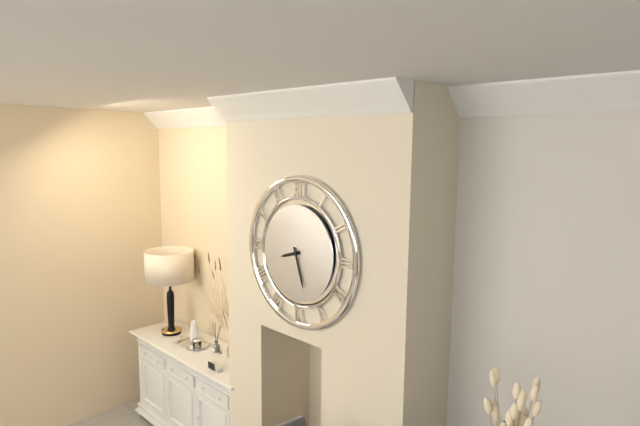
8:27
